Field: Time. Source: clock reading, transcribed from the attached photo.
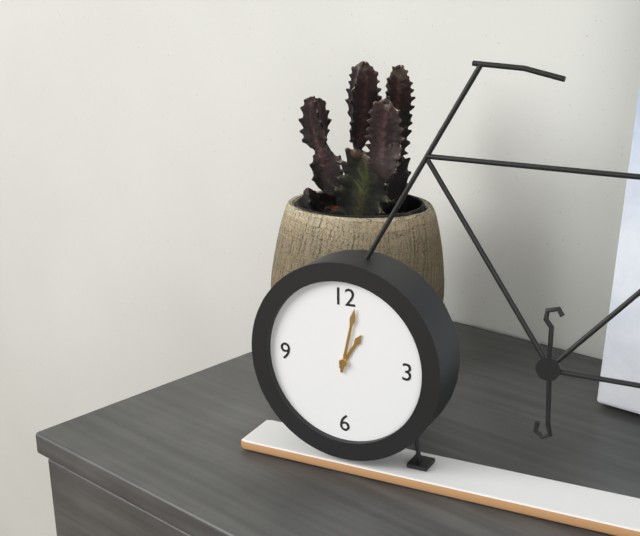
1:02
